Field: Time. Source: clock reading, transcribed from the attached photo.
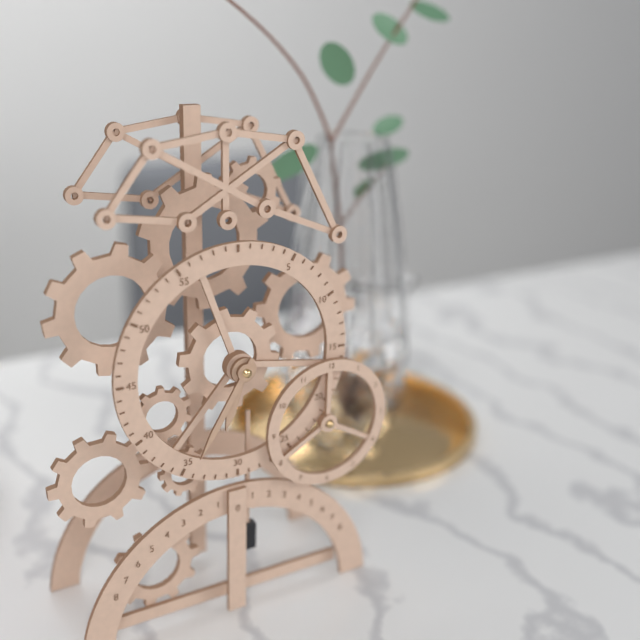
6:35
